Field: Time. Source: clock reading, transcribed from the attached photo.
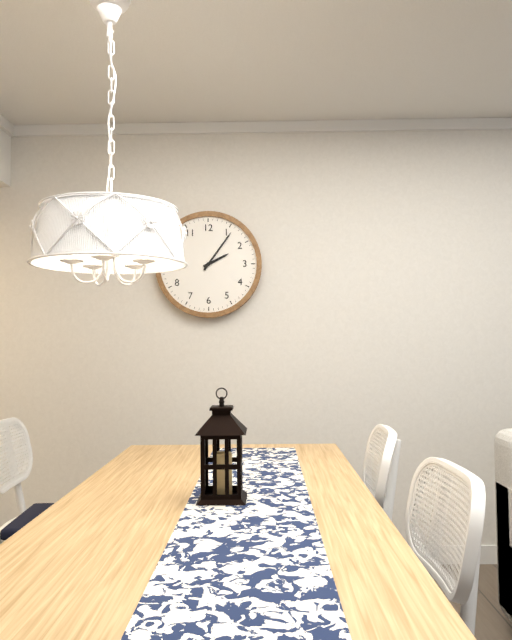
2:06
